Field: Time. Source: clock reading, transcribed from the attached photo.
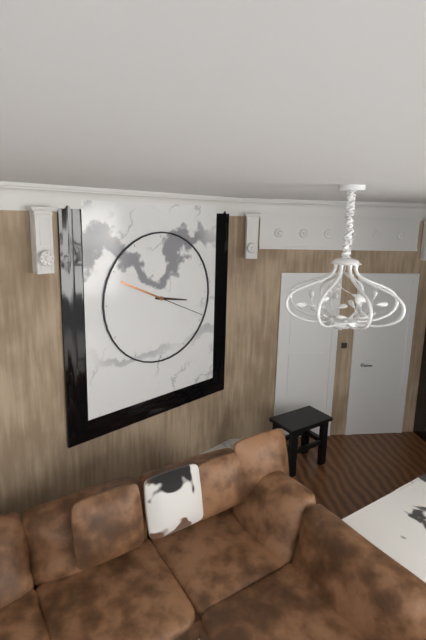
3:19
